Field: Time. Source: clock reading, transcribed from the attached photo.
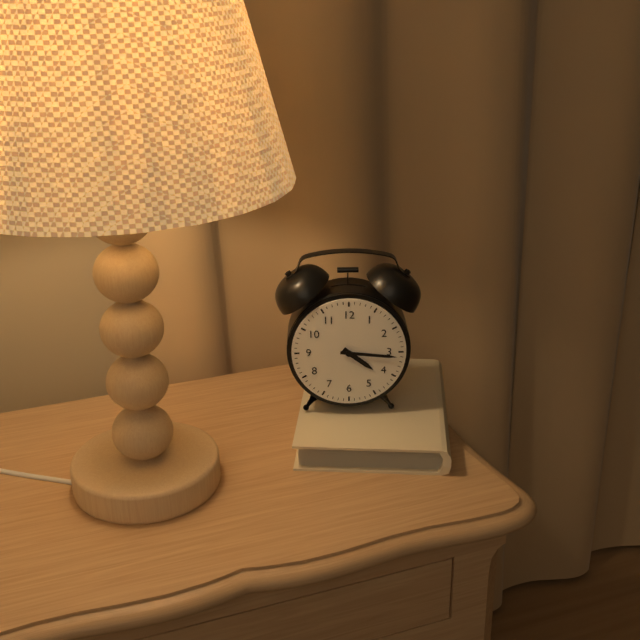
4:16
